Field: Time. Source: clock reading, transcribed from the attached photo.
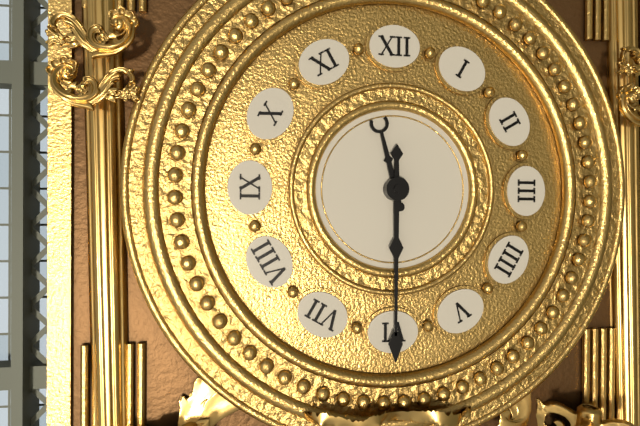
11:30
